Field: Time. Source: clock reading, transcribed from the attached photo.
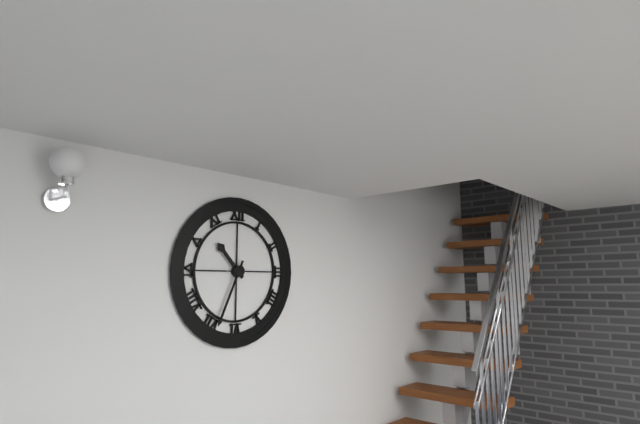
10:34
